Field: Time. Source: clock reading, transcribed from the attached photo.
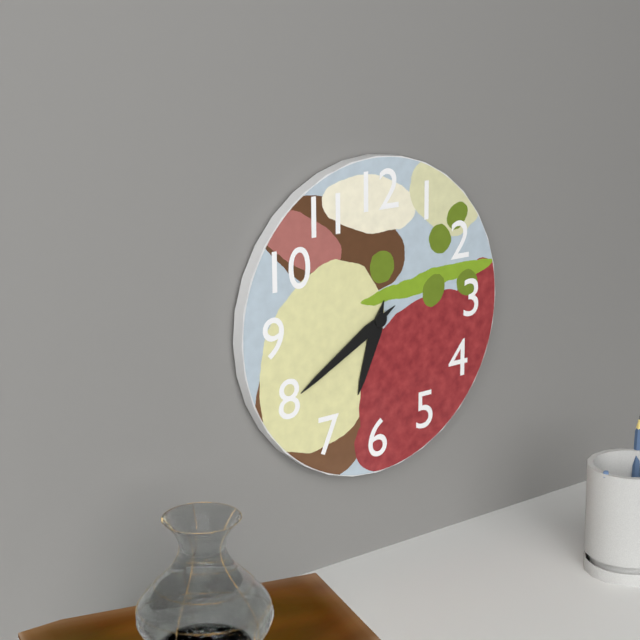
6:40
